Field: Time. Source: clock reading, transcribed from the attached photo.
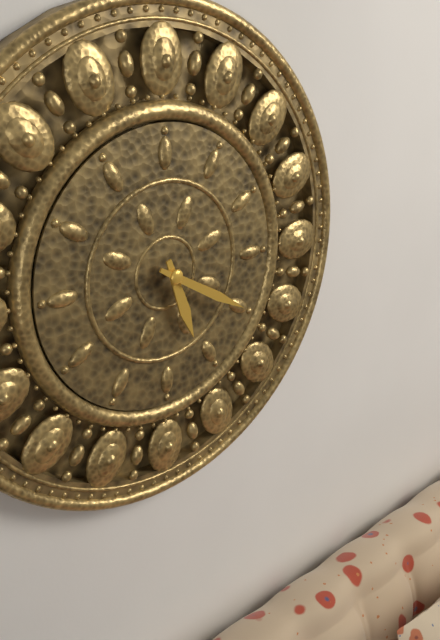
5:20
